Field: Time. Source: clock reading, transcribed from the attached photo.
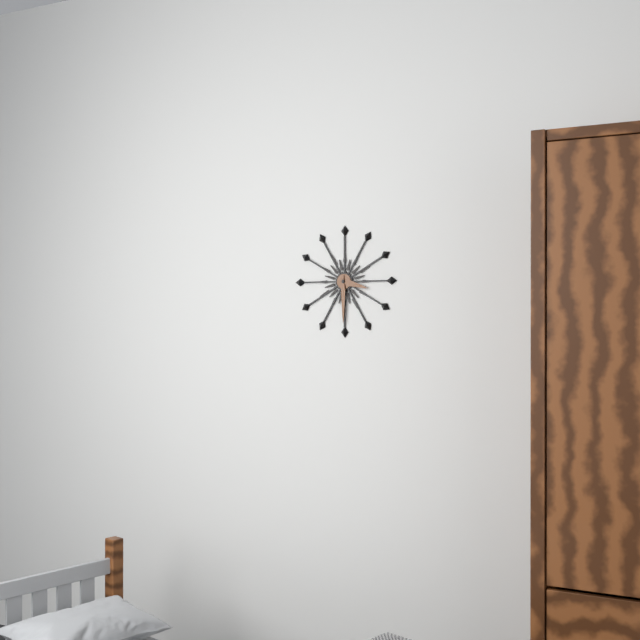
3:30
